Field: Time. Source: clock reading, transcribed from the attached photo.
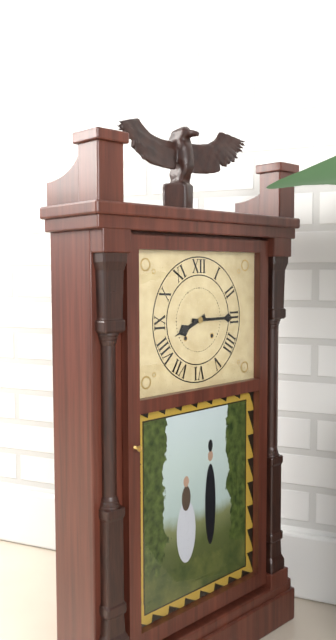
8:15
